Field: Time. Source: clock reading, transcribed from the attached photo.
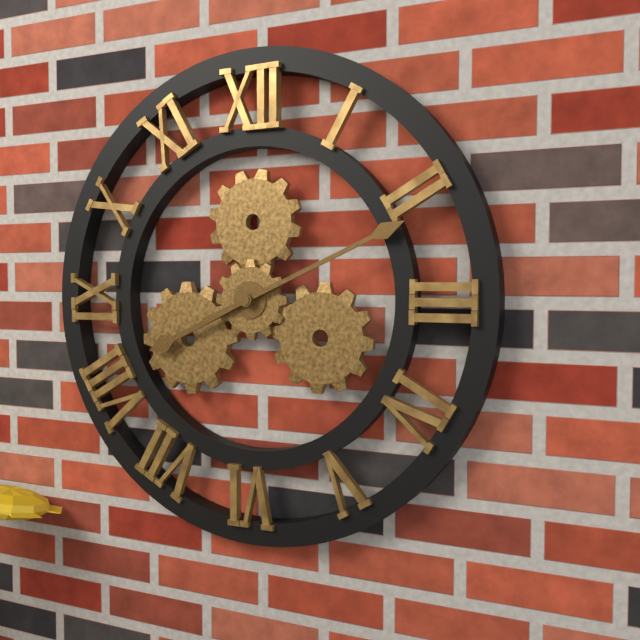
8:11
